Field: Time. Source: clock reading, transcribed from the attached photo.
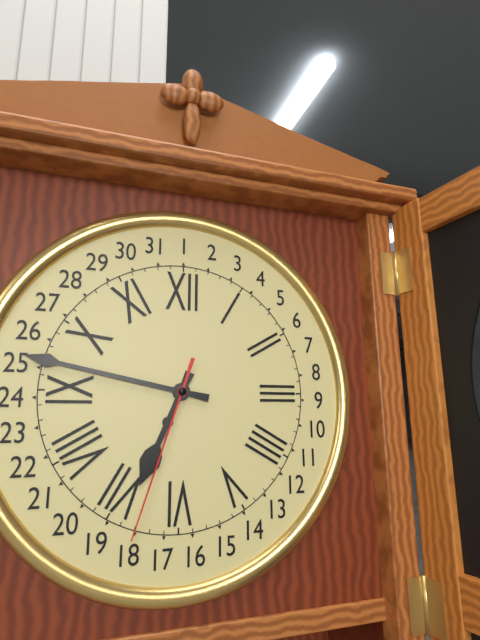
6:47:33
